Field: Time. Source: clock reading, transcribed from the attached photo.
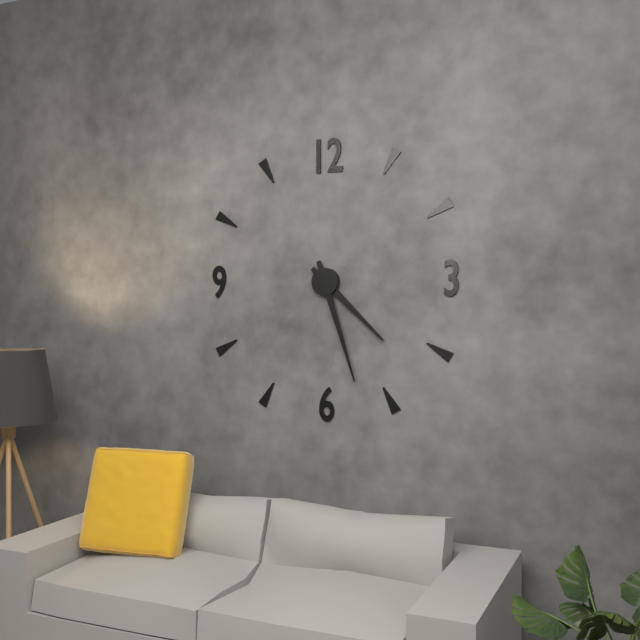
4:27
